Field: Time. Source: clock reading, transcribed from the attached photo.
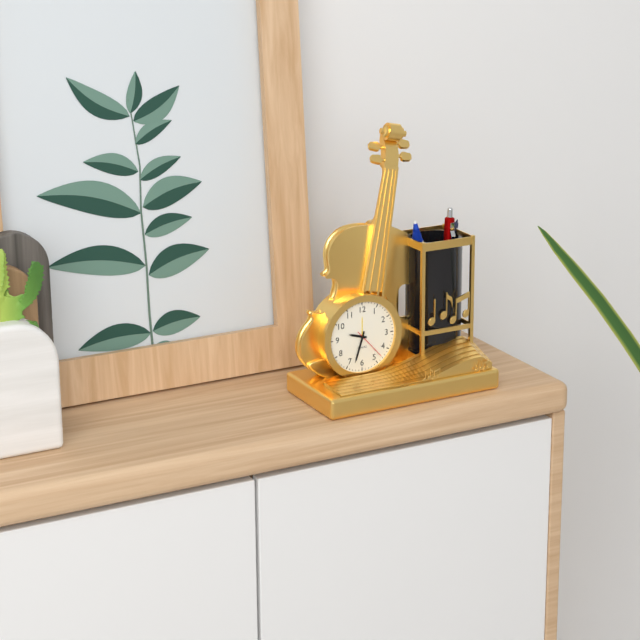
9:33
